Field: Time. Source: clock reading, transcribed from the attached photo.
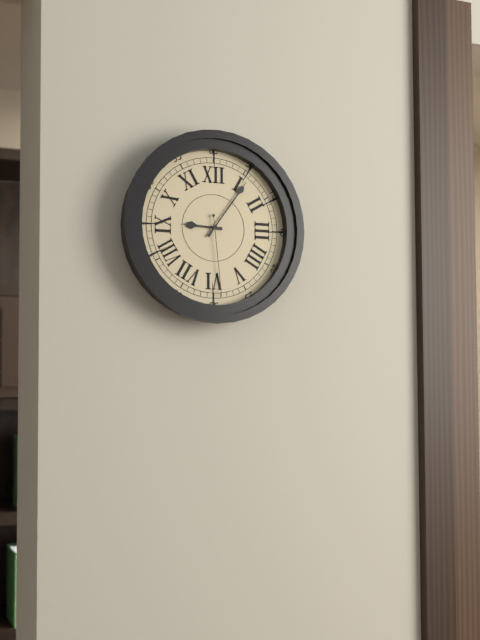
9:06:29
